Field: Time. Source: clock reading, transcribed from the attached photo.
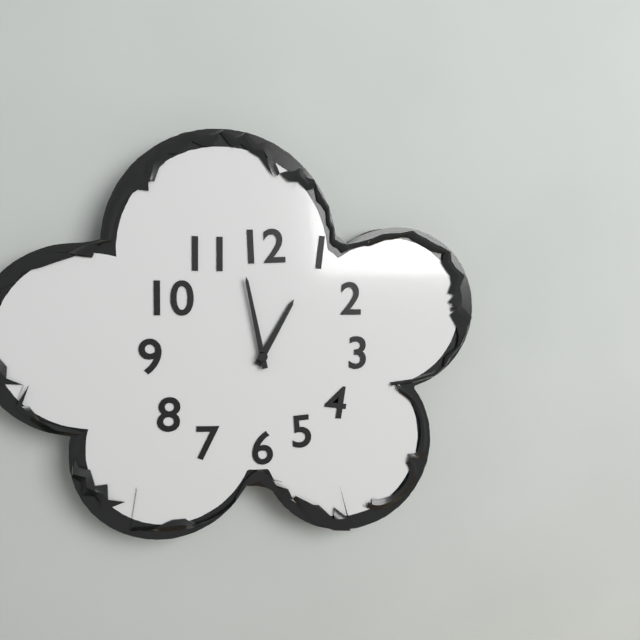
12:58
